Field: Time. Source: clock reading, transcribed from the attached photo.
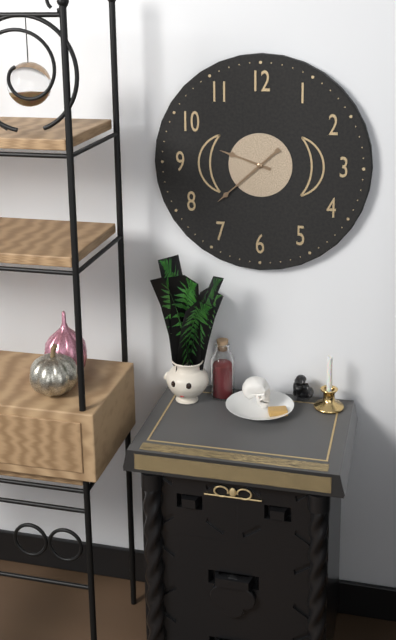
9:38
